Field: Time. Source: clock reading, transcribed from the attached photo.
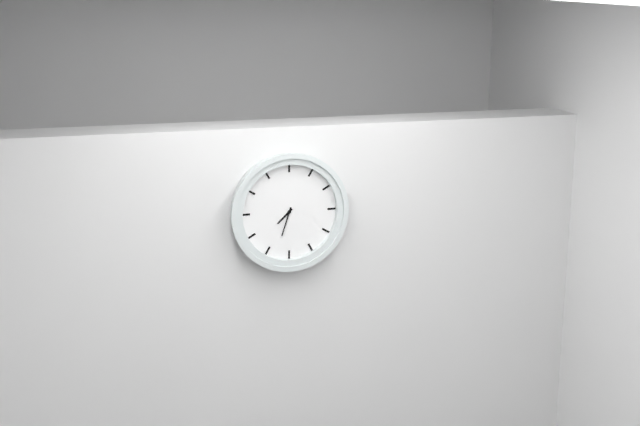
7:33
